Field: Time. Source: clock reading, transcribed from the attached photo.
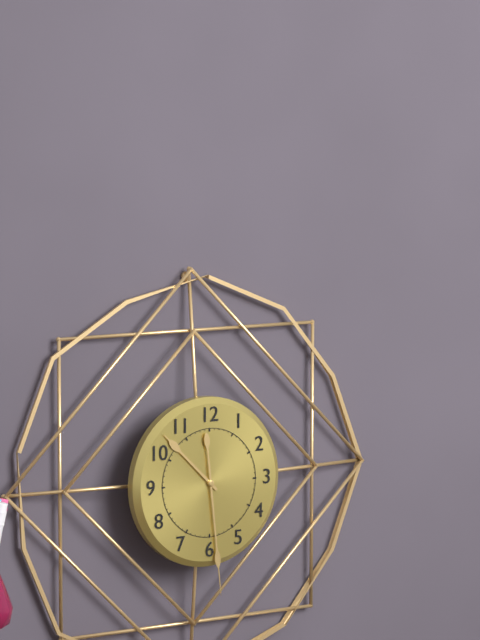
10:29
